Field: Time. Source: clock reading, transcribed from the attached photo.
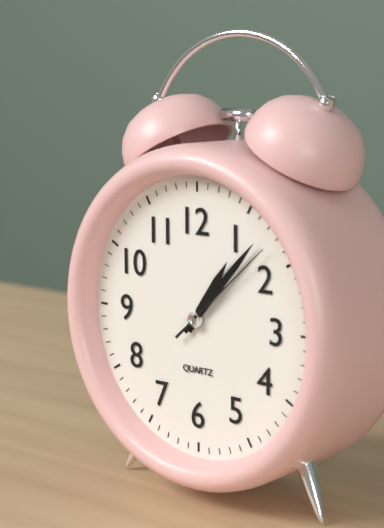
1:07:08
